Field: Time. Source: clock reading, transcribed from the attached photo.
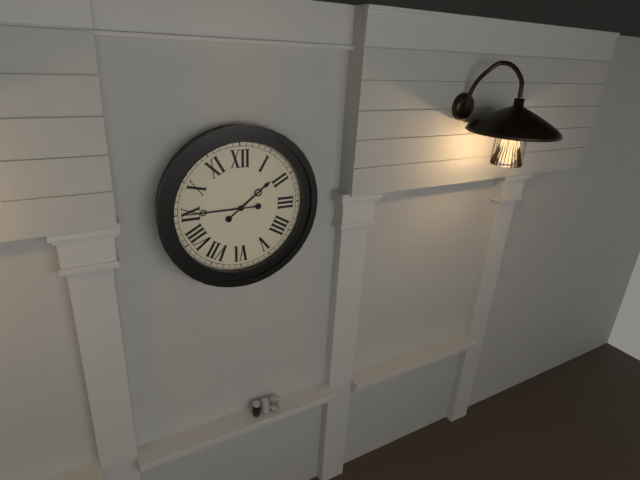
1:45
